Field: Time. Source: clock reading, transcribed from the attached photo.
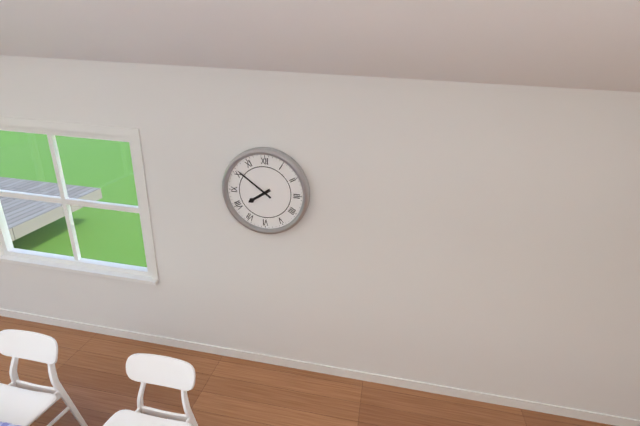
7:51
